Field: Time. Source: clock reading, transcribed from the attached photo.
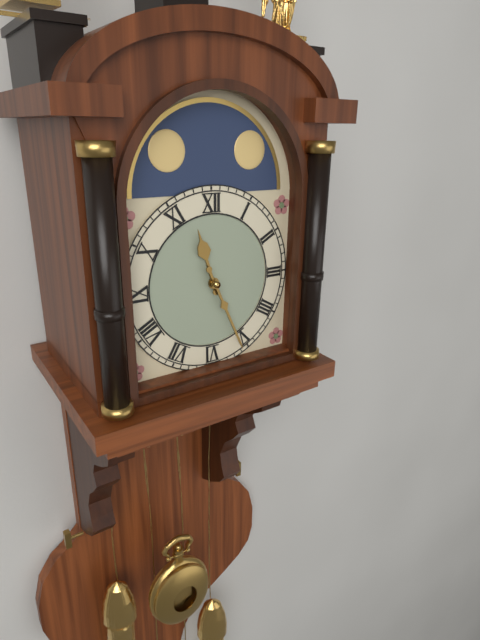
11:26
